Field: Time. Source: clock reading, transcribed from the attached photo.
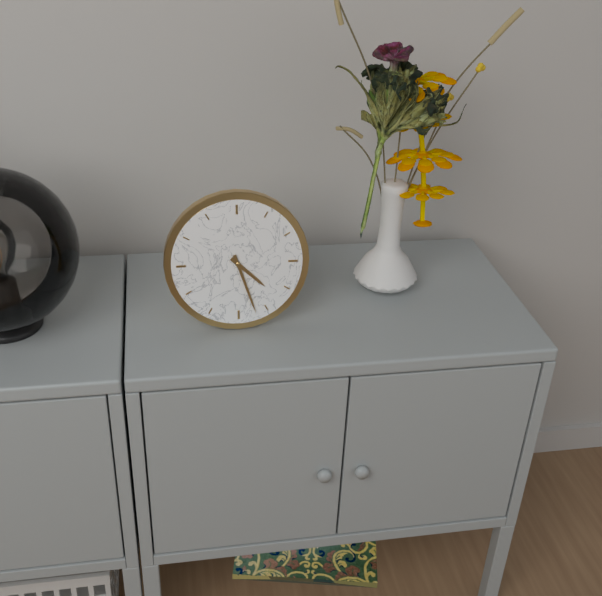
4:27
